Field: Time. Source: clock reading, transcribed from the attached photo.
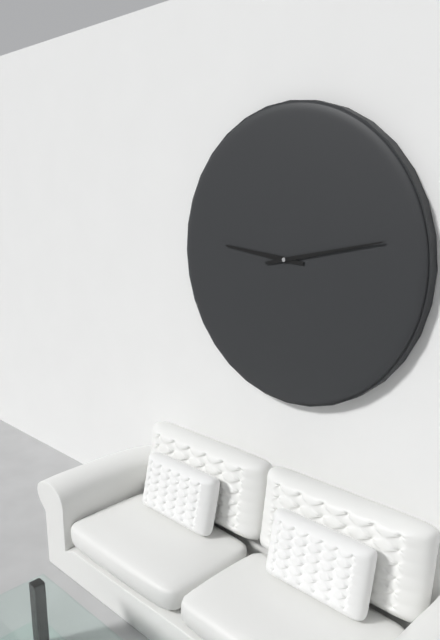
9:13
